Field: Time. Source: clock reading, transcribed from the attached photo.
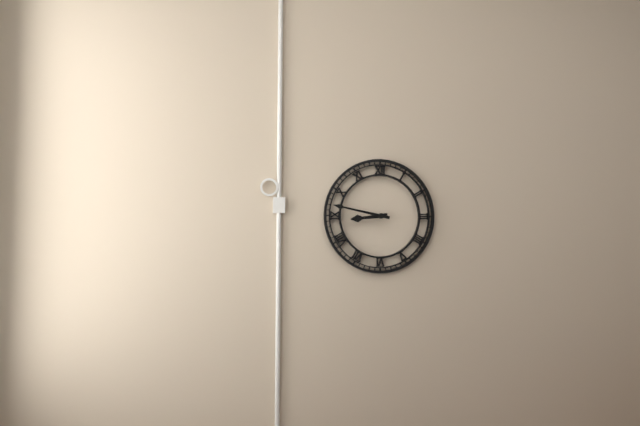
8:47
